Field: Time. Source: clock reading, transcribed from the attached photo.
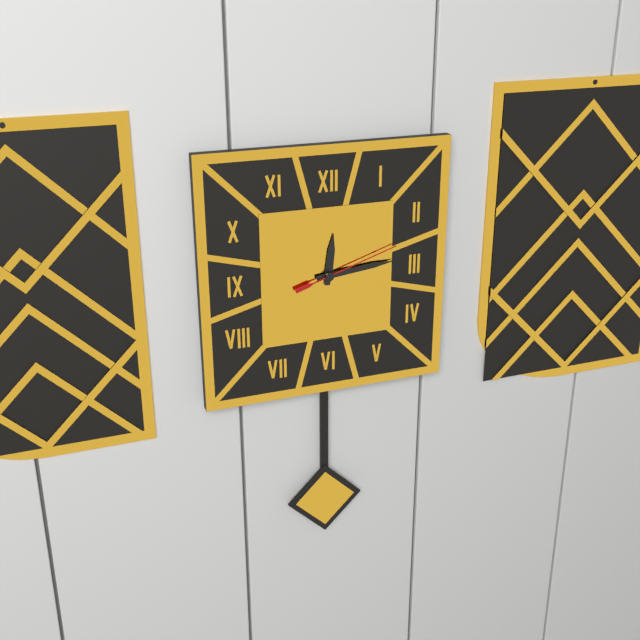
12:14:12
